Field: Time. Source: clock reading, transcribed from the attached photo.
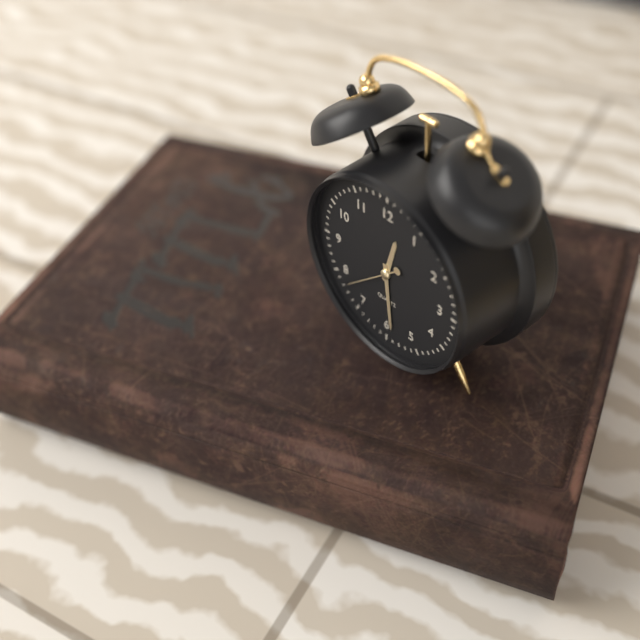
12:29
